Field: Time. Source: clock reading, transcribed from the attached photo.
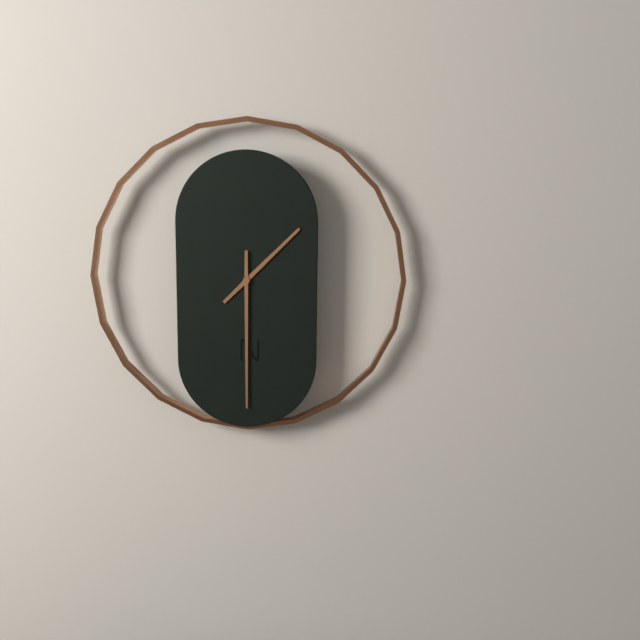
1:30
